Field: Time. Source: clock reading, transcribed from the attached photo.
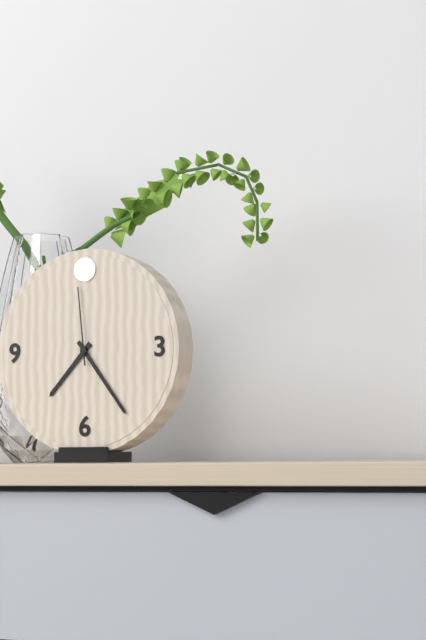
7:24:59
